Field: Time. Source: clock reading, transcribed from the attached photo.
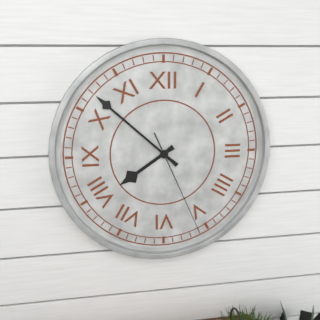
7:52:26
